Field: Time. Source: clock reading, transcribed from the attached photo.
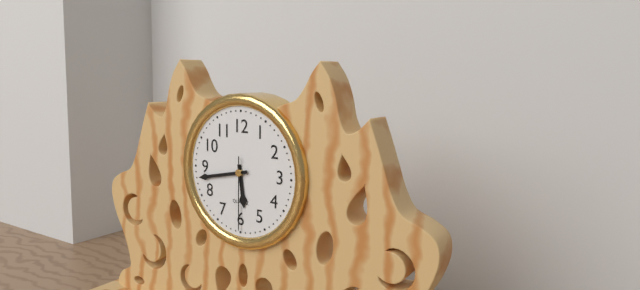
5:43:30
